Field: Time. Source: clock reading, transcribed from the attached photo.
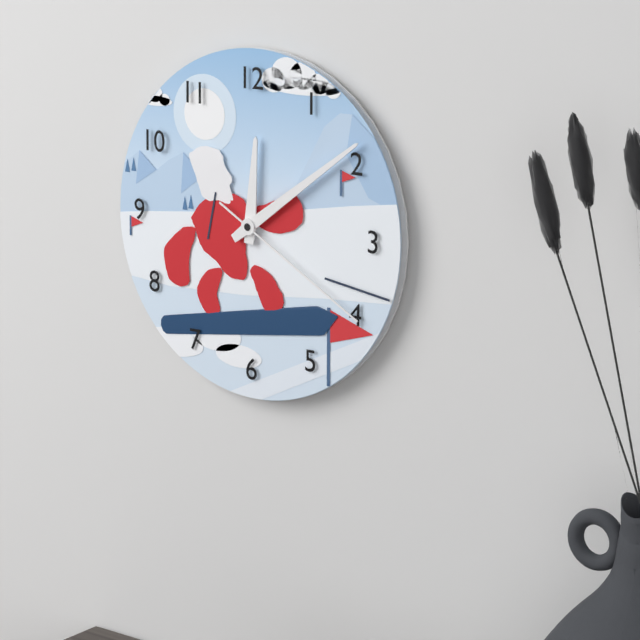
12:09:20
